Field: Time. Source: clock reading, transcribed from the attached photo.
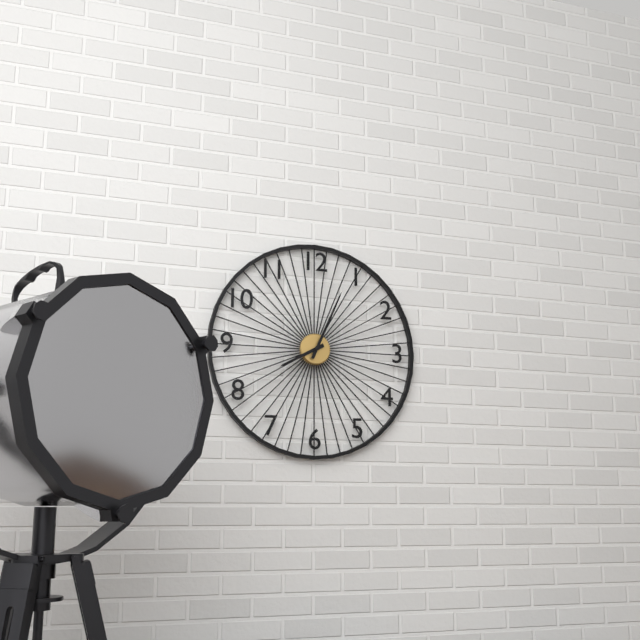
8:04
